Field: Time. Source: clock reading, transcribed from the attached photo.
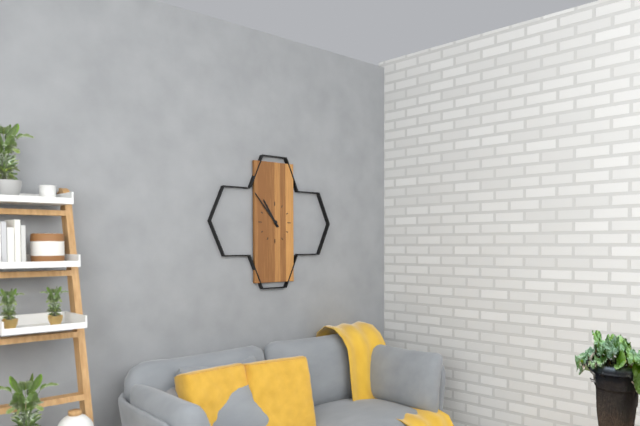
10:53
